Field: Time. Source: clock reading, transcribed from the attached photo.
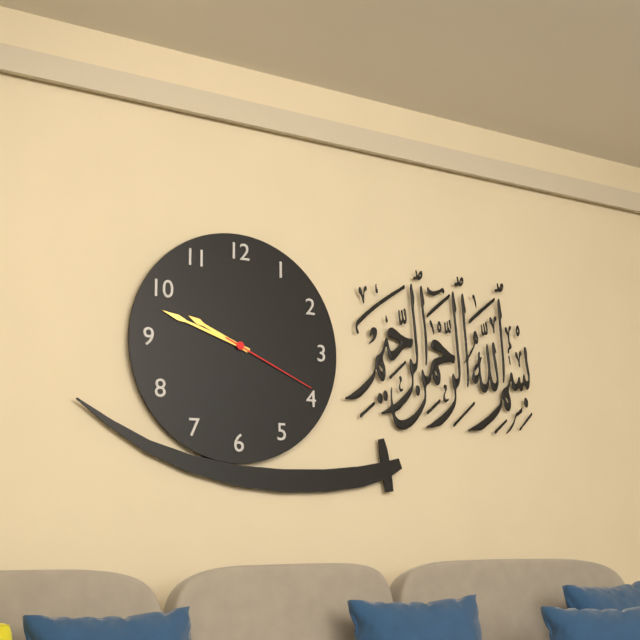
9:48:19
